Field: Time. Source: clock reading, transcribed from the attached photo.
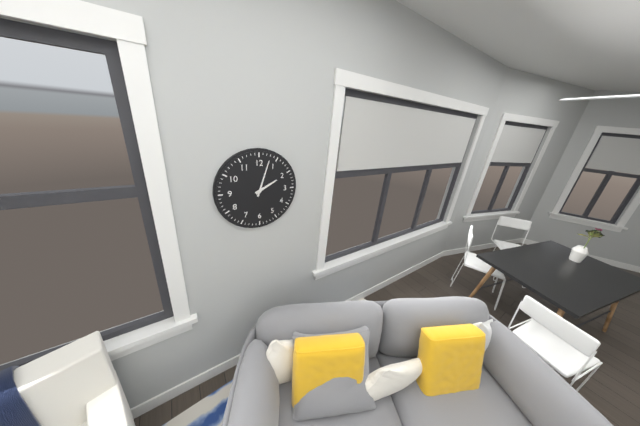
2:03
